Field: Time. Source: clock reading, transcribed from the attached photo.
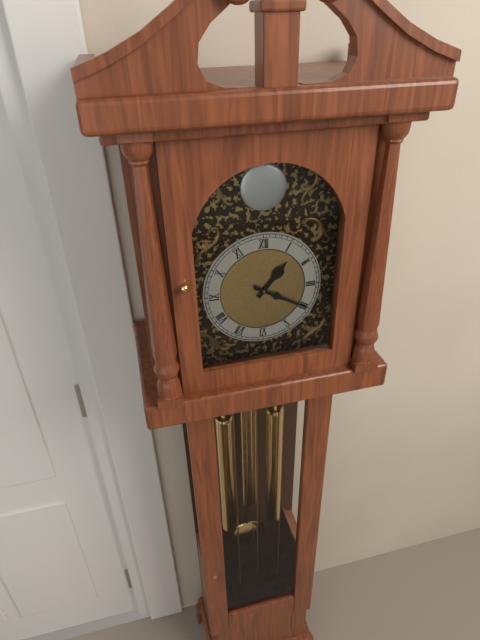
1:20
